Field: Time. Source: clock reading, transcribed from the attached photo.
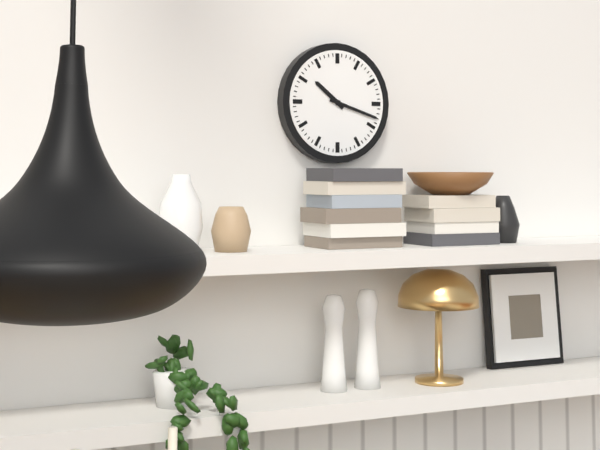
10:18
